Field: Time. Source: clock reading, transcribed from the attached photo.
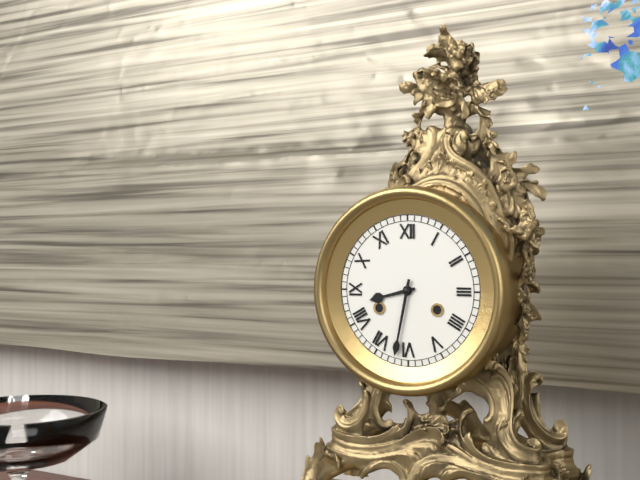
8:32
